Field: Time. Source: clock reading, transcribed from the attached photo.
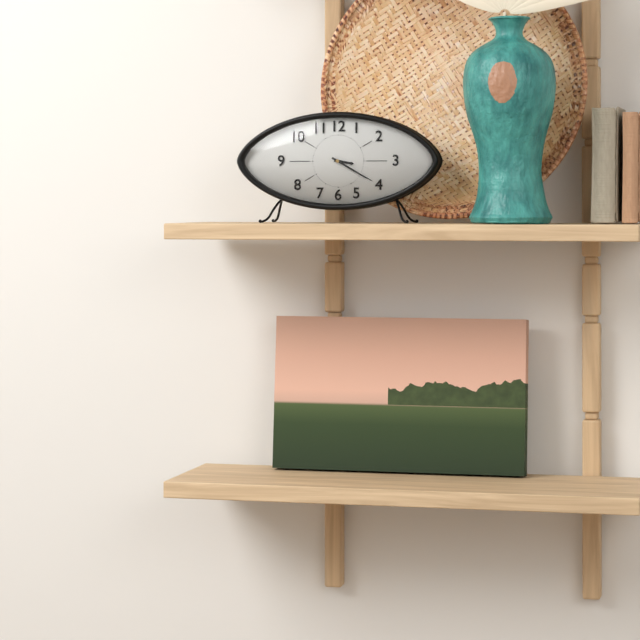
3:20
